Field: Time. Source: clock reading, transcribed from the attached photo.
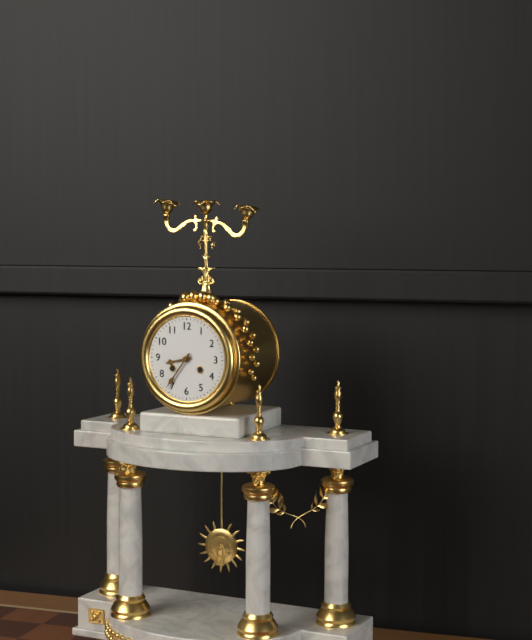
8:36
